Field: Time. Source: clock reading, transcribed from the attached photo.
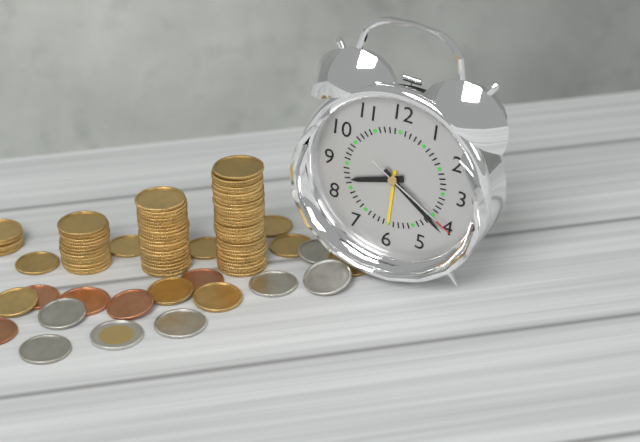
8:21:20
